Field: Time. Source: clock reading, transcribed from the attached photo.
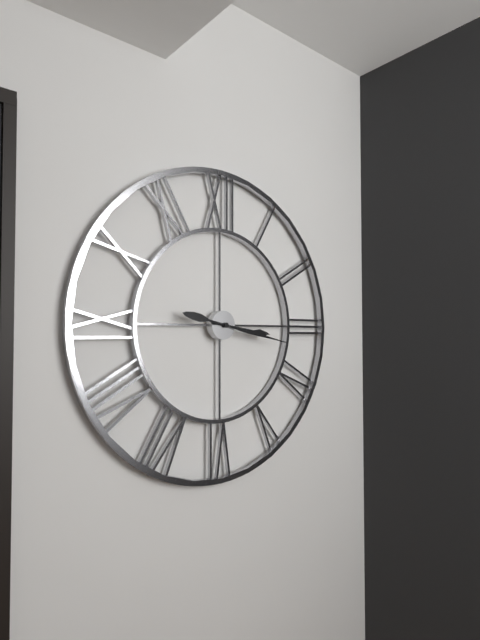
3:17
